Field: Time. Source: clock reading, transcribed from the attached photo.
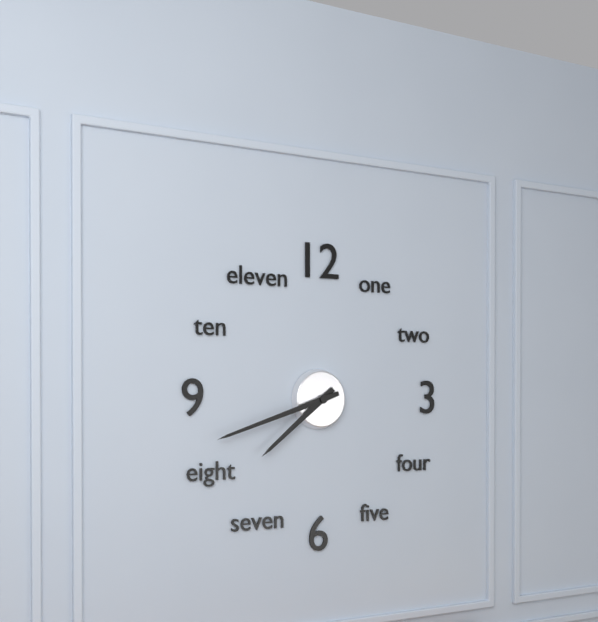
7:42
